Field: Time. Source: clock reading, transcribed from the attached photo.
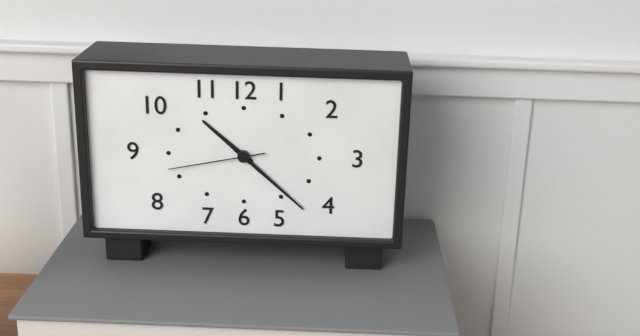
10:22:43
